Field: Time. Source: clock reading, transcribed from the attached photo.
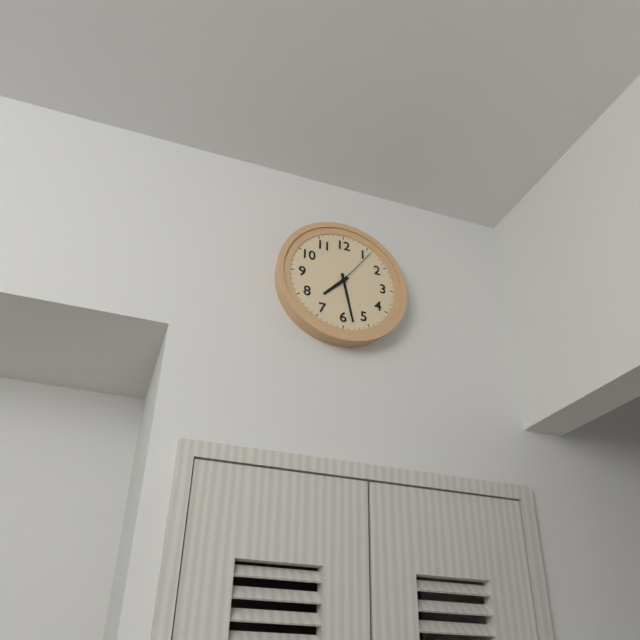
7:28
